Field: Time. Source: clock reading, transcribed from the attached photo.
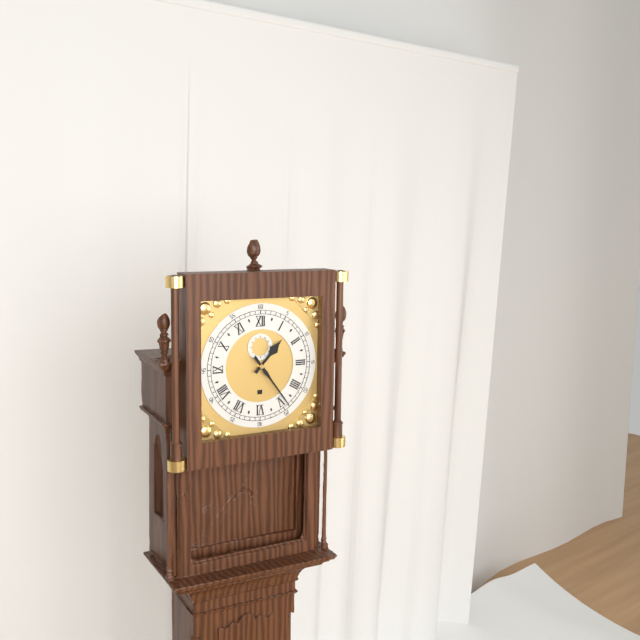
1:24
